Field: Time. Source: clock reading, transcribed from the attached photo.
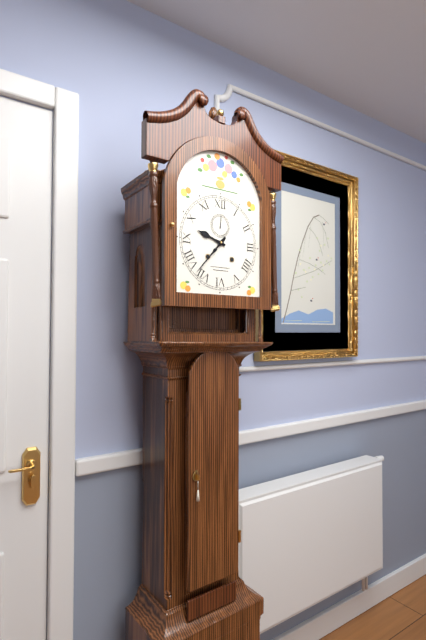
9:37
